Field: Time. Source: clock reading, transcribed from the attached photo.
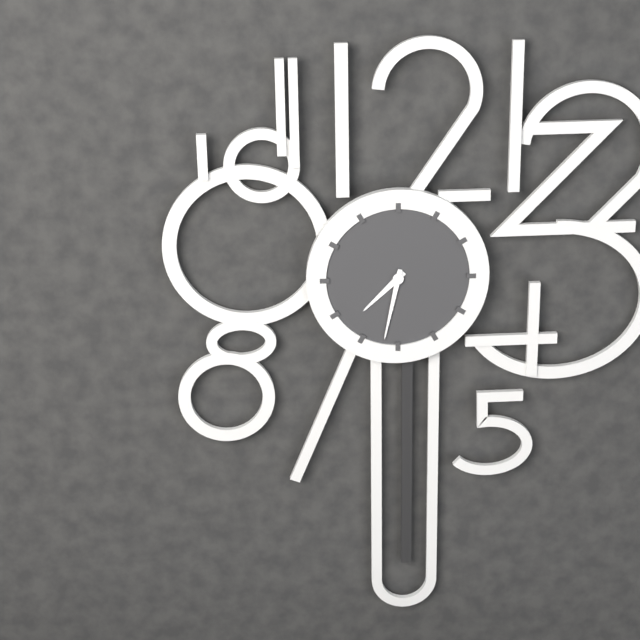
7:32
